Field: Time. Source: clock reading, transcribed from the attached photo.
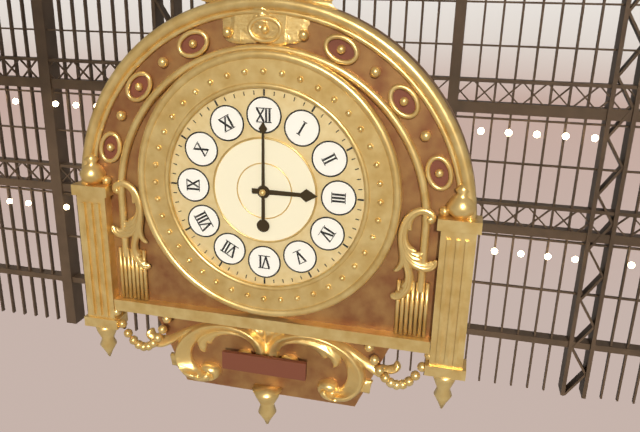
3:00
